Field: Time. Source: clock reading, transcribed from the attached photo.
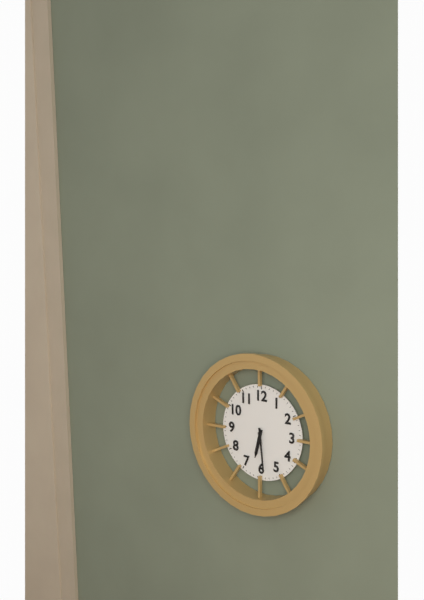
6:29
